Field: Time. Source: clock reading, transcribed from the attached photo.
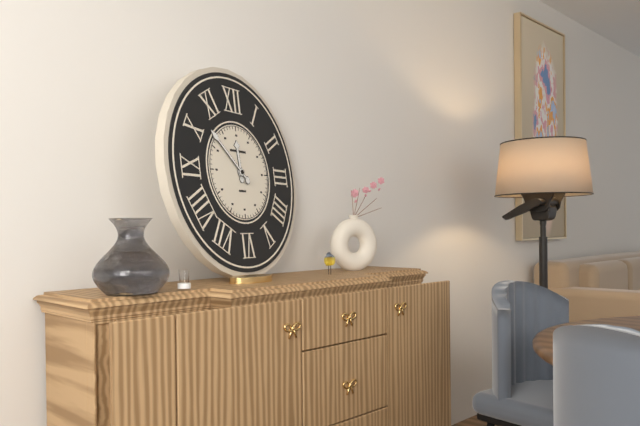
11:52
